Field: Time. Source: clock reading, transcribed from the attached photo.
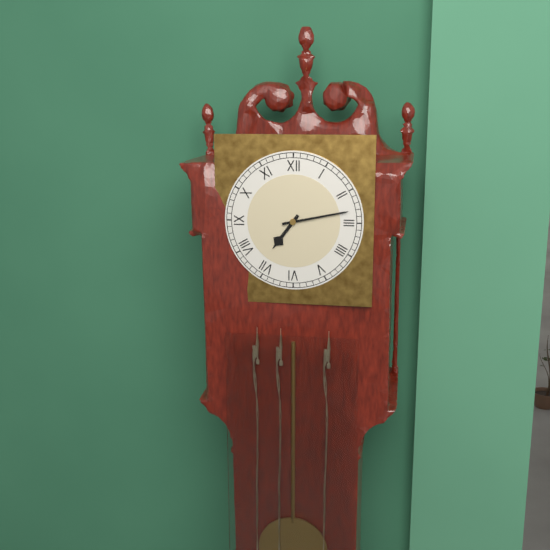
7:13
